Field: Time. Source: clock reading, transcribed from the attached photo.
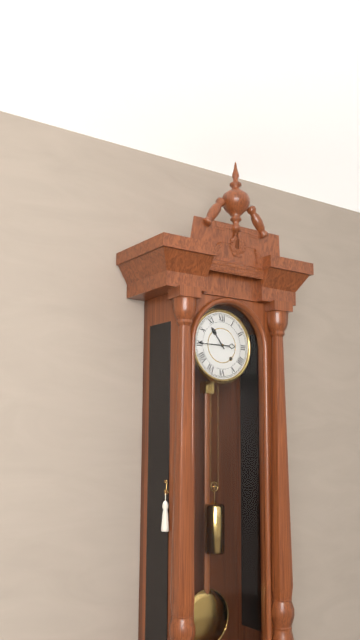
10:45
